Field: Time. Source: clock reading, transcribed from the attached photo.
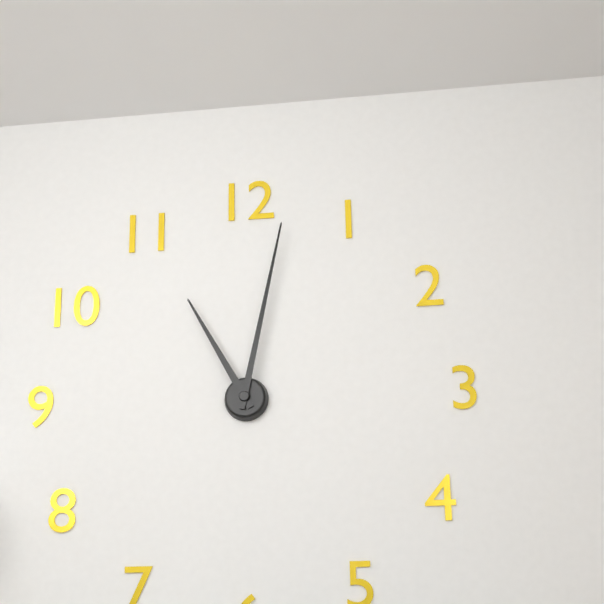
11:02
